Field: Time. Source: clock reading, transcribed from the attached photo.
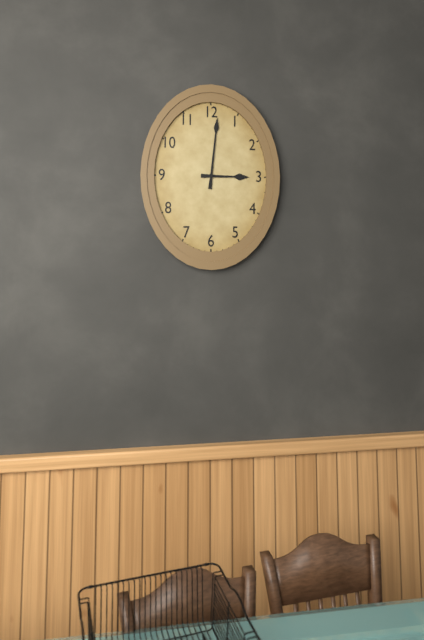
3:01
